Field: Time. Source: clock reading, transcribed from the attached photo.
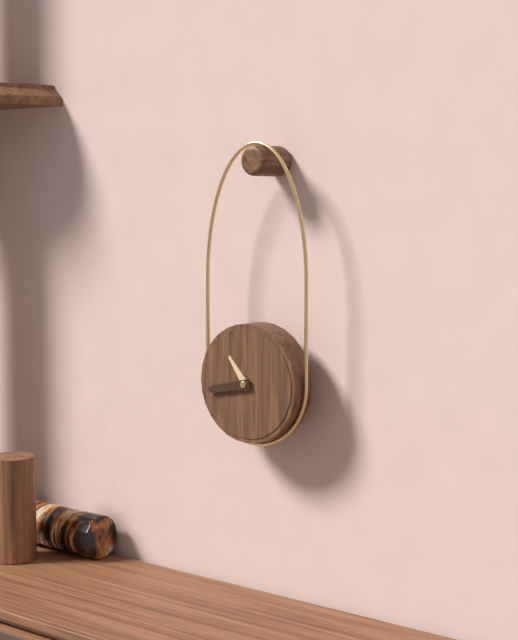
10:43
